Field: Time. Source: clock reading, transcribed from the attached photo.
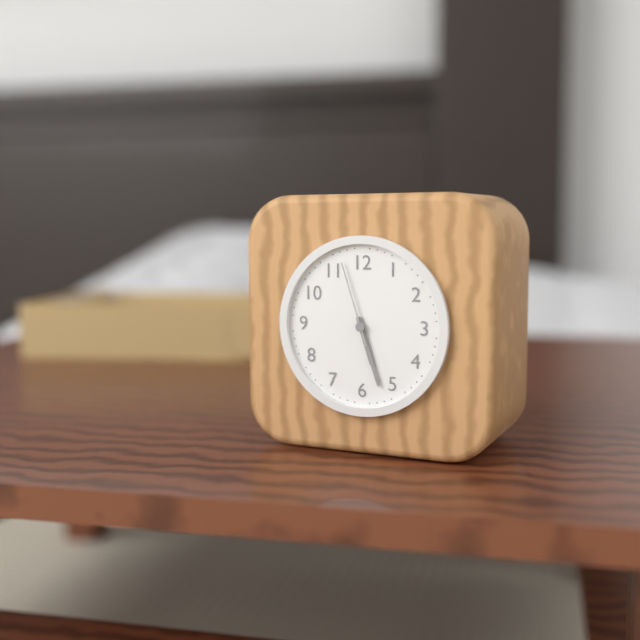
5:27:57
